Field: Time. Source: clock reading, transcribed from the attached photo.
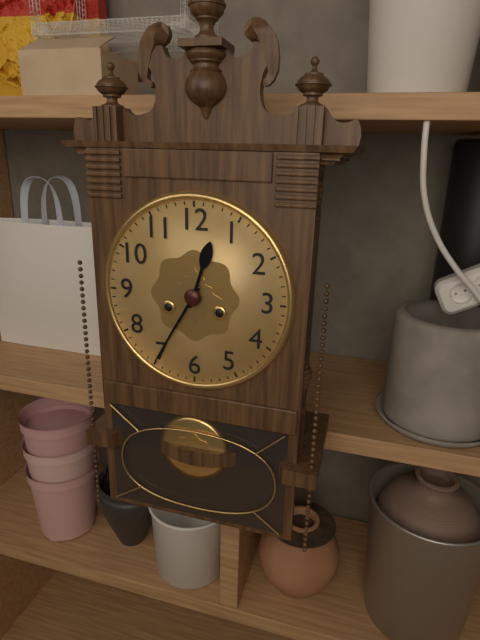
12:35
